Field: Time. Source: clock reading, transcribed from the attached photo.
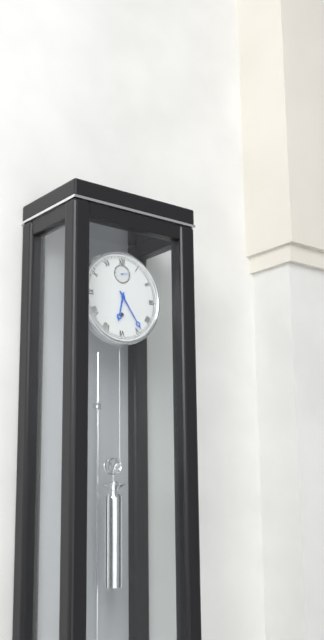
6:24
